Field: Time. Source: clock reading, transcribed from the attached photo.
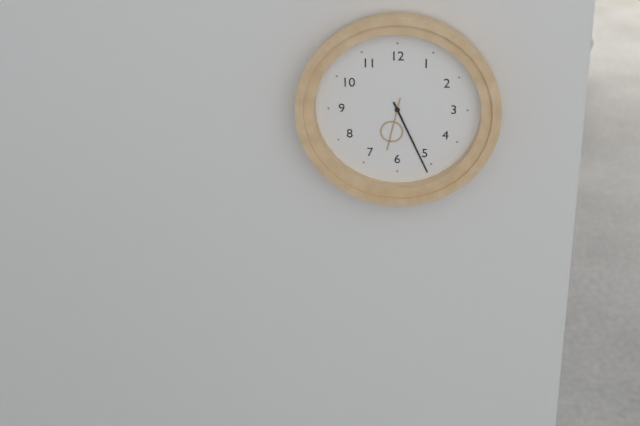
6:26
